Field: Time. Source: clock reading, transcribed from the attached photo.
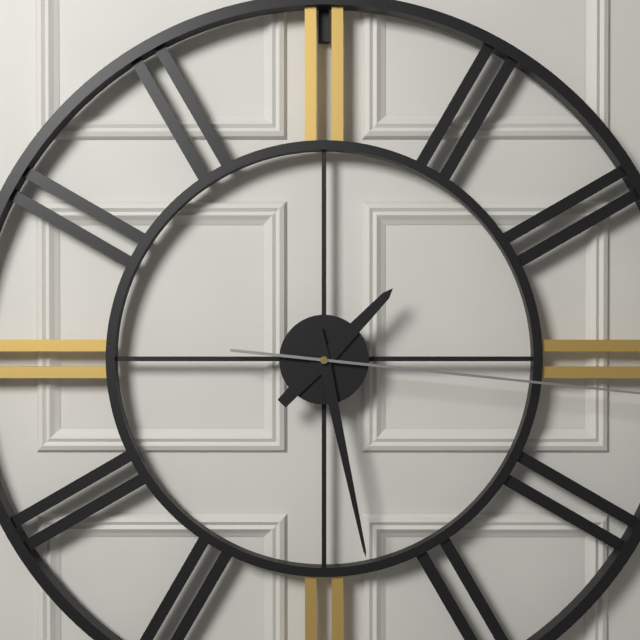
1:28
